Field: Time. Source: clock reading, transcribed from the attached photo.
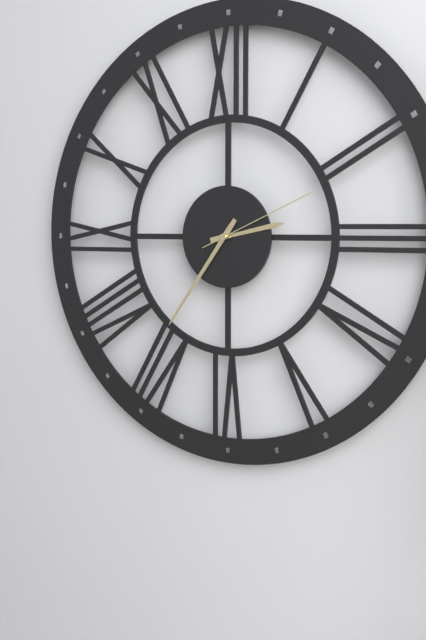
2:36:11
